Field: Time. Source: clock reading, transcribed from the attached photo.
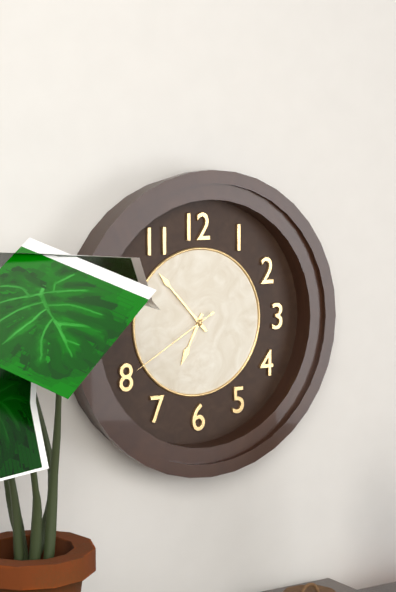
6:53:40
